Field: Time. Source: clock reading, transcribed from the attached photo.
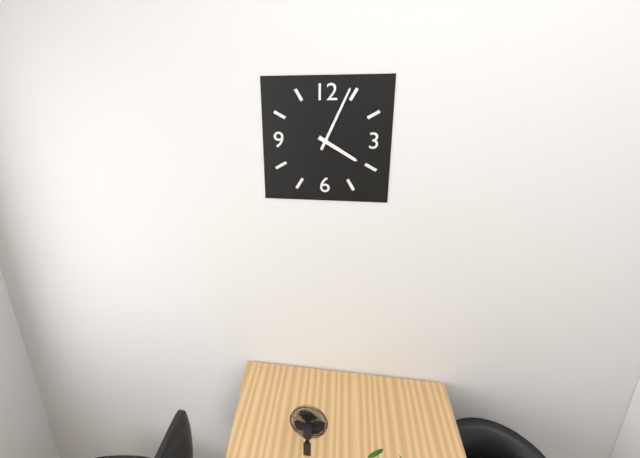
4:04
